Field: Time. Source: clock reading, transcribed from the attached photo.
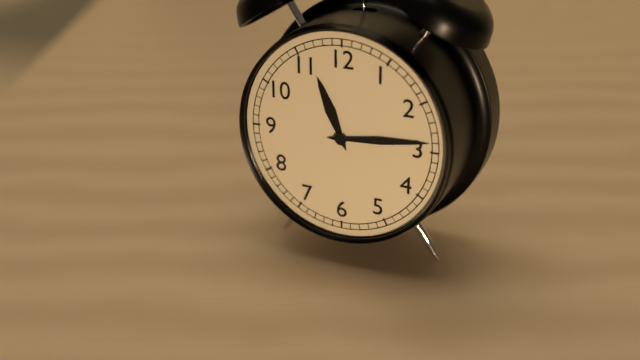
11:14
